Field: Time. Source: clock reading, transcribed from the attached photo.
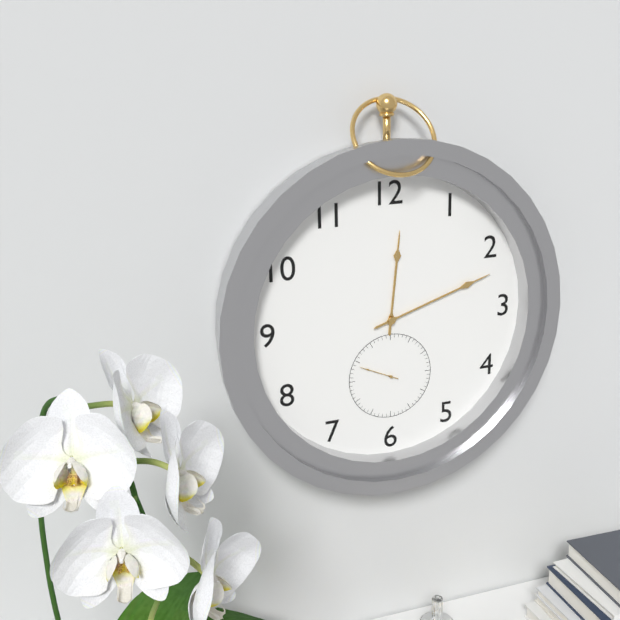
12:12
